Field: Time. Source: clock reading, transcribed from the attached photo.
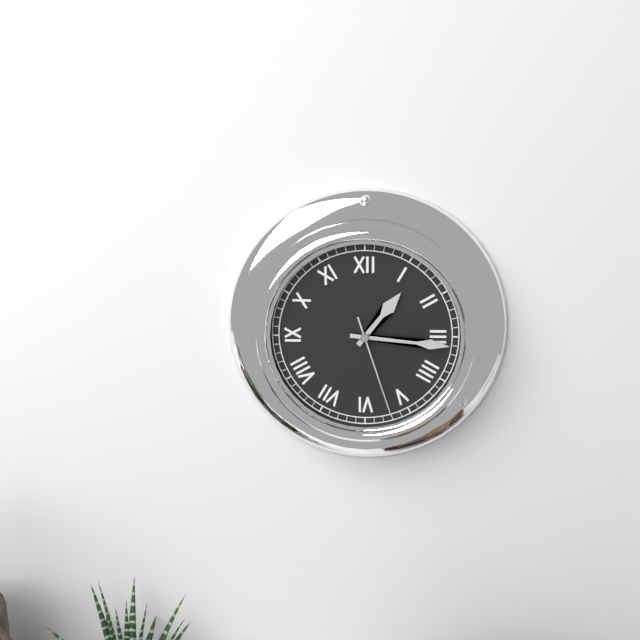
1:16:27
